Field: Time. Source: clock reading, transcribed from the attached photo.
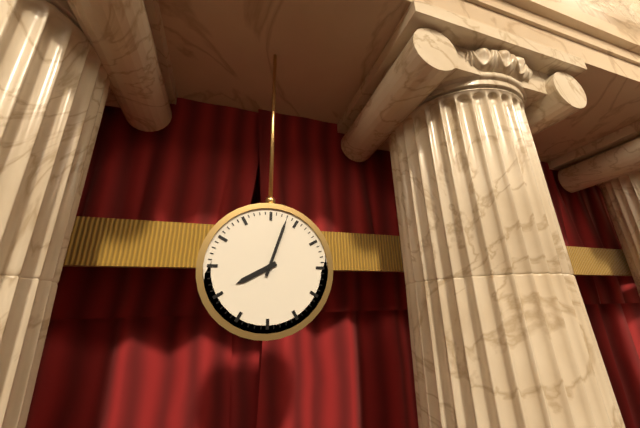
8:03
